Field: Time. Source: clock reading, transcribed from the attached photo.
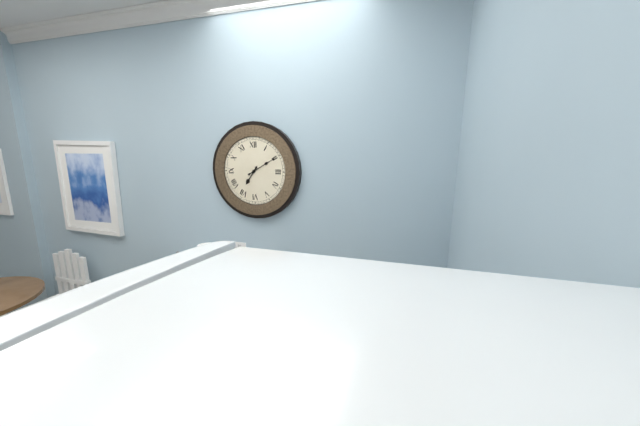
7:10
